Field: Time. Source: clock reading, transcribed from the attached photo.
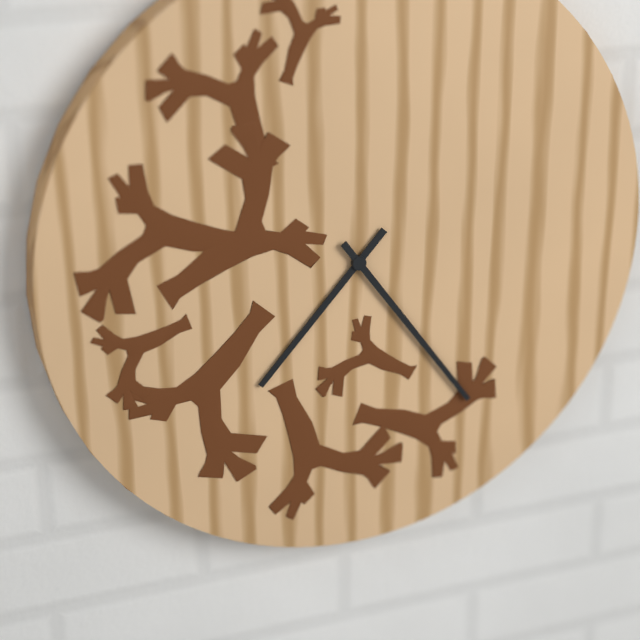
7:24
